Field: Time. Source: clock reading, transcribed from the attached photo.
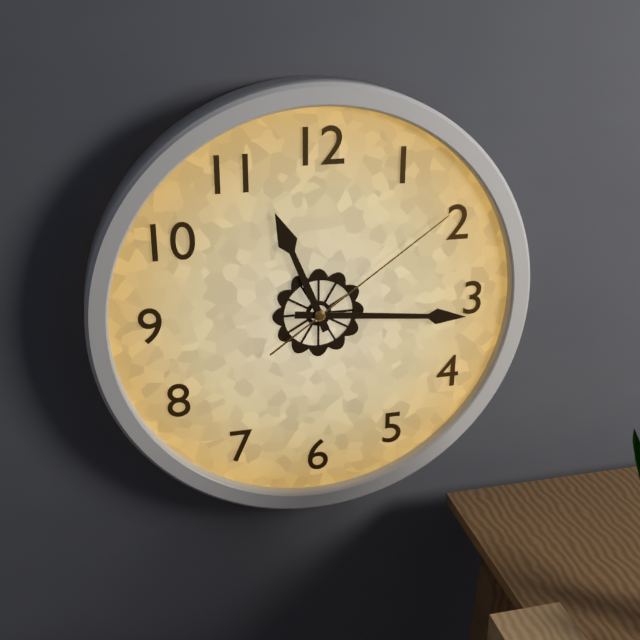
11:16:09
